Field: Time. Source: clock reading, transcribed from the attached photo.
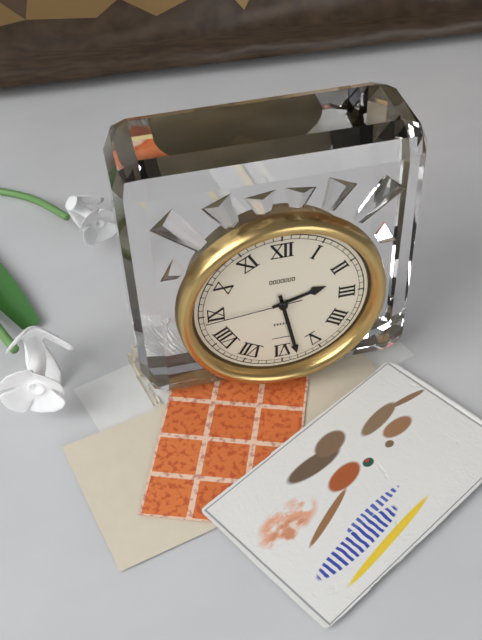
2:28:44
